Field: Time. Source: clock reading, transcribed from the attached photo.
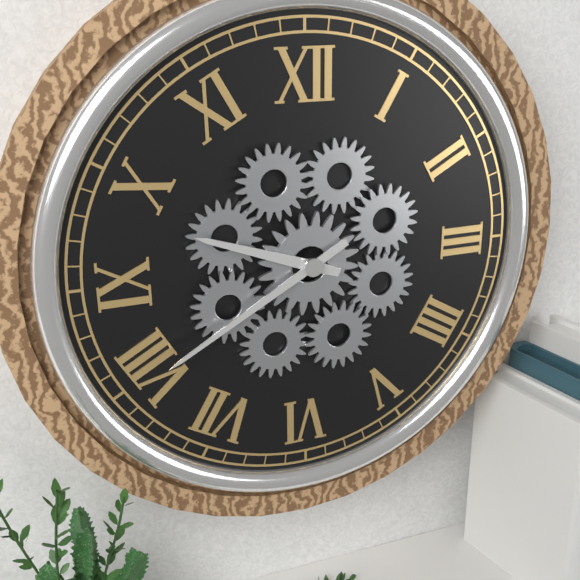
9:40
